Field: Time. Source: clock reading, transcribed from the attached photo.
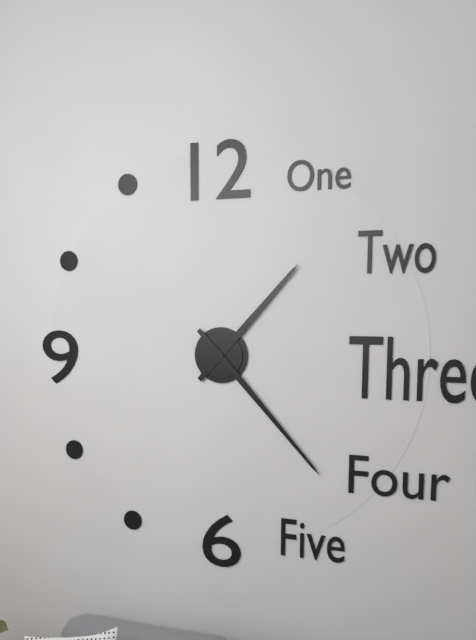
1:23
